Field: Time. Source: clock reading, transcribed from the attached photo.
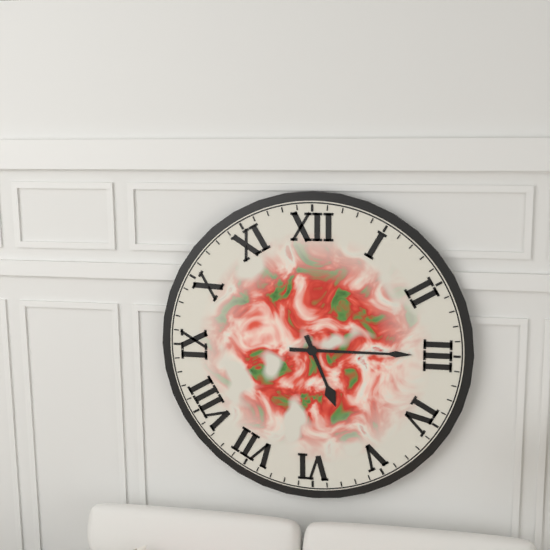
5:15
